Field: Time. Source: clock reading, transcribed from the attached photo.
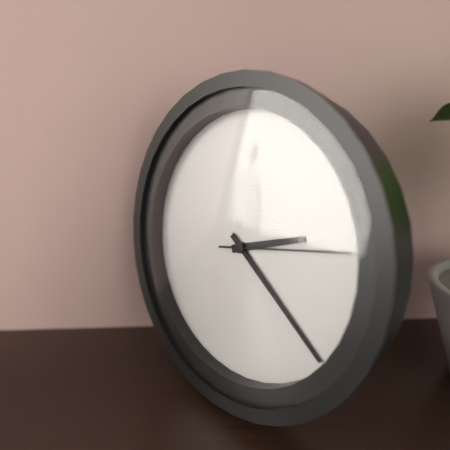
2:21:13
